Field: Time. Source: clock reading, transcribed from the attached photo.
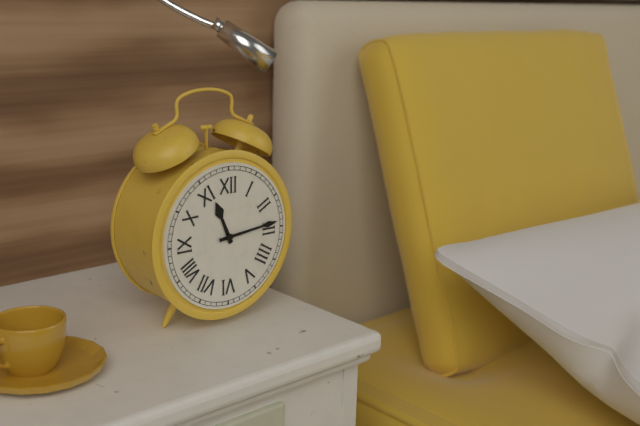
11:14
